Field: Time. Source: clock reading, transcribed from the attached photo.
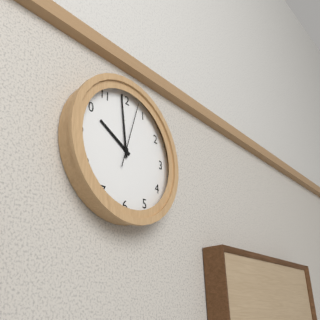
9:59:03
